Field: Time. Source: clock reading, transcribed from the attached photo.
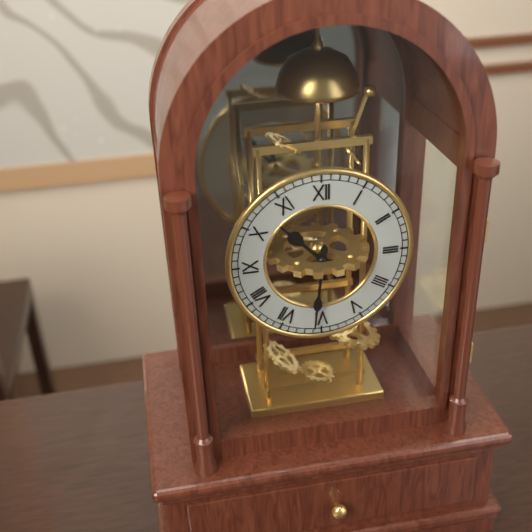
10:31
